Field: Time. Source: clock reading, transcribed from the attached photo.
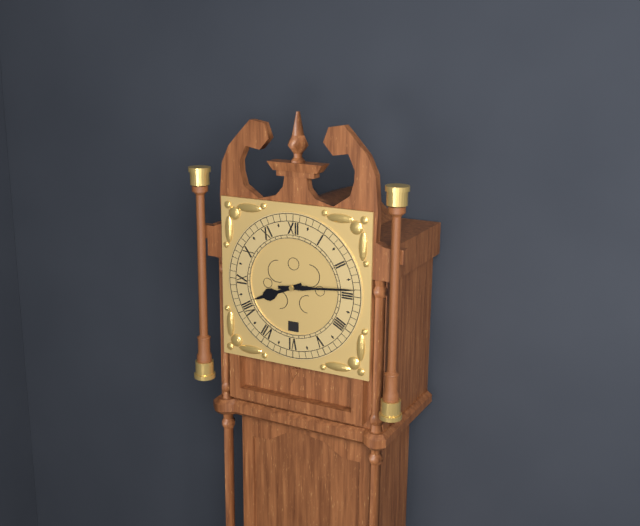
8:14
